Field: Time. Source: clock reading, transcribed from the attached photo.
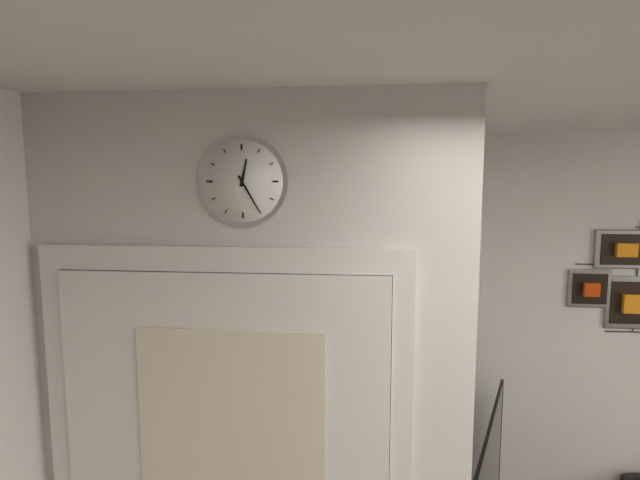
12:25
